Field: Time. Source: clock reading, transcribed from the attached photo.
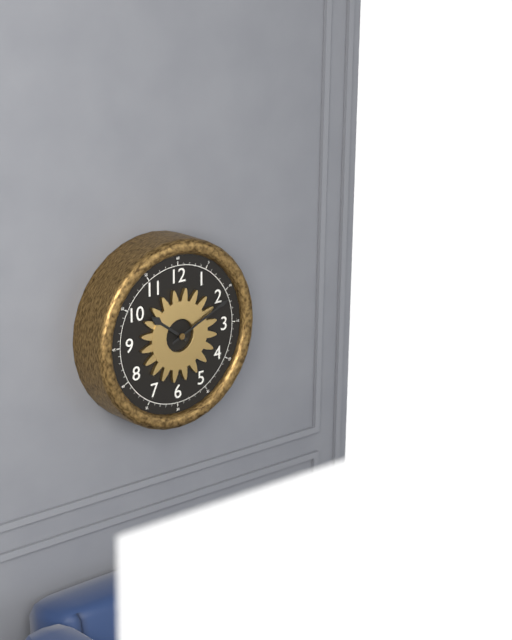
10:11
